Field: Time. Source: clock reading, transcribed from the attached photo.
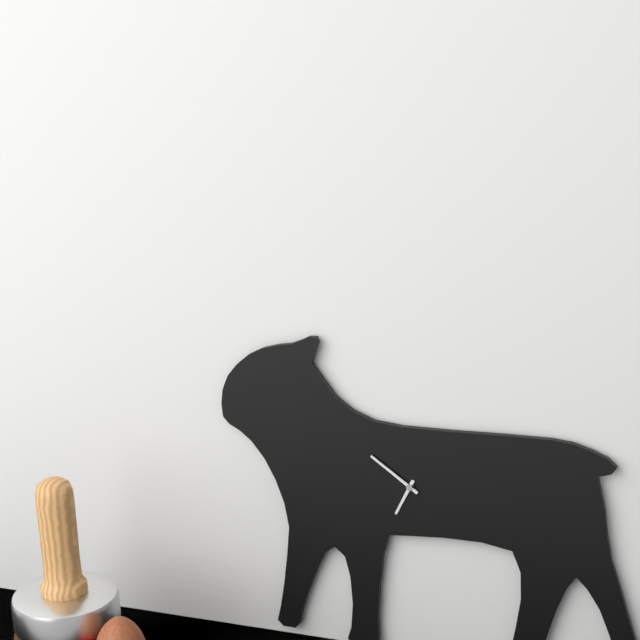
6:51
